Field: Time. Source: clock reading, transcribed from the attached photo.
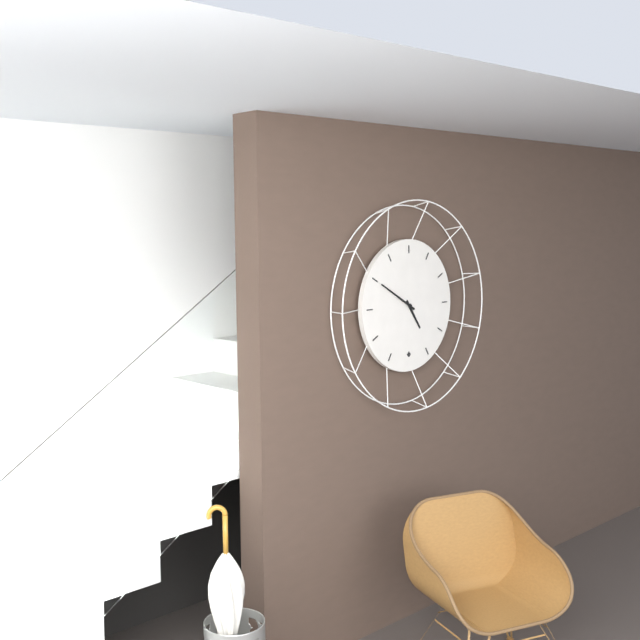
4:50
